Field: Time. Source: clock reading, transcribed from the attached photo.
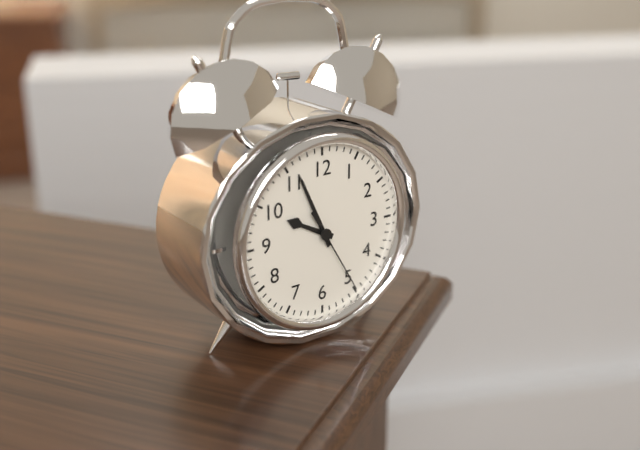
9:56:25
